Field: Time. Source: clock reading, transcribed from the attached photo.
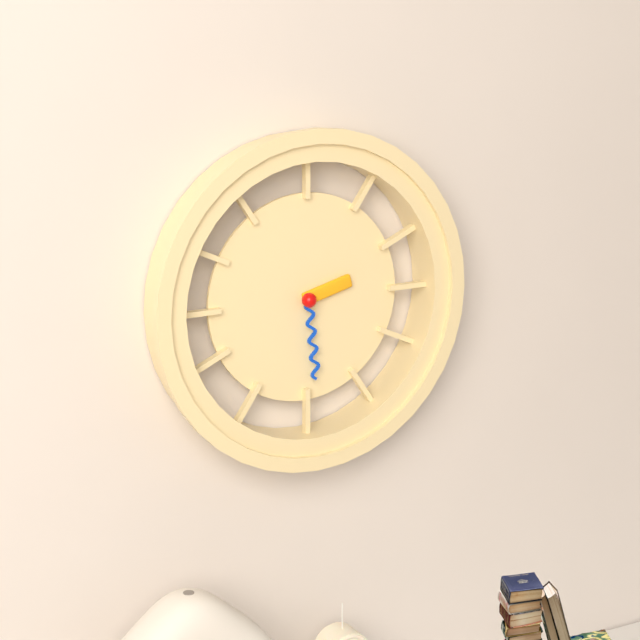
2:29
